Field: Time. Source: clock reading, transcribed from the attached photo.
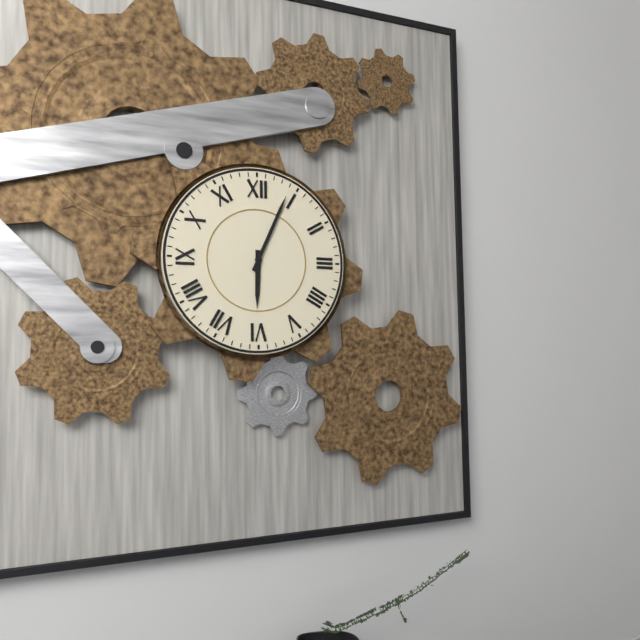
6:04
